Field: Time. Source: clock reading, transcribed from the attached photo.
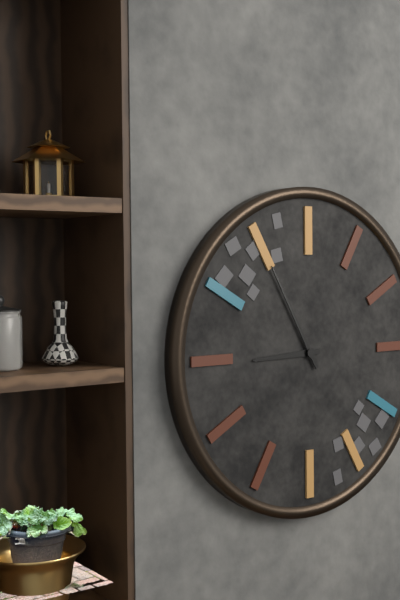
8:55
